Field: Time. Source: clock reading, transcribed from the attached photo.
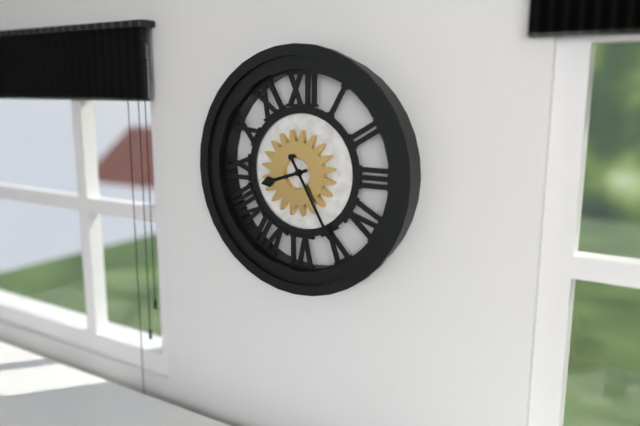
8:25
